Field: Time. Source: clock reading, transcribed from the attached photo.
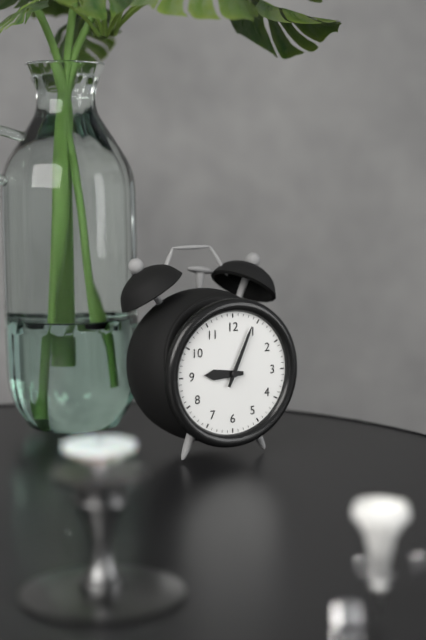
9:04
